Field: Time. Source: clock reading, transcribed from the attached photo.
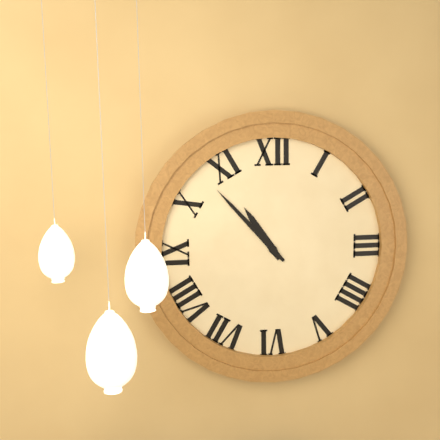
10:53
